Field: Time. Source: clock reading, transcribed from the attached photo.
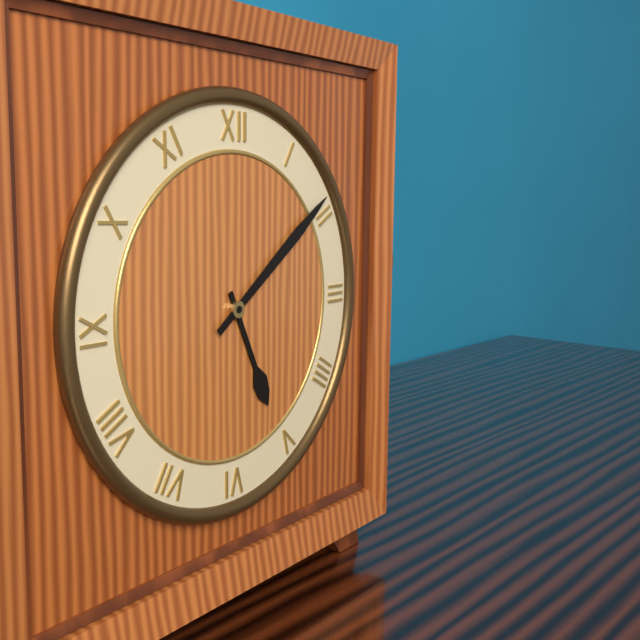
5:09
